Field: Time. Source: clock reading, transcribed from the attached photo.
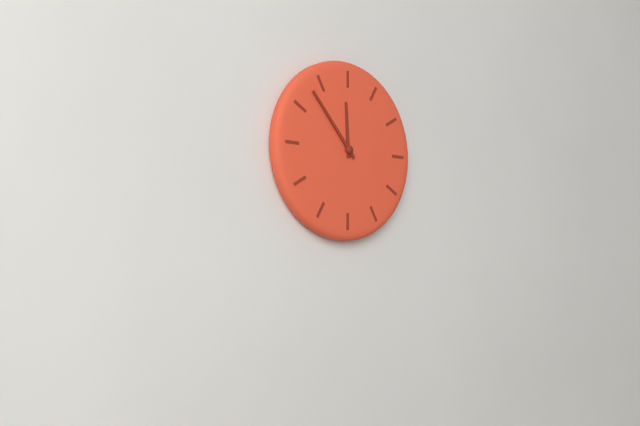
11:53
